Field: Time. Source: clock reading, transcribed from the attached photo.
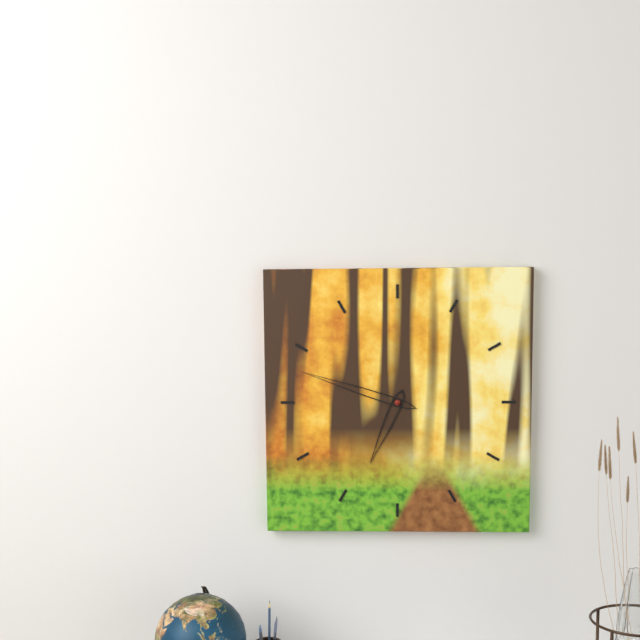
6:48
